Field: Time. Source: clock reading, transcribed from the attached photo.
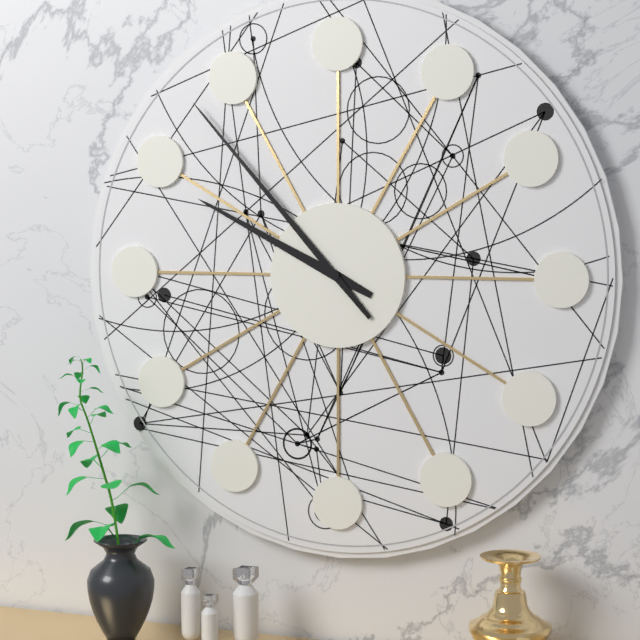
9:53
